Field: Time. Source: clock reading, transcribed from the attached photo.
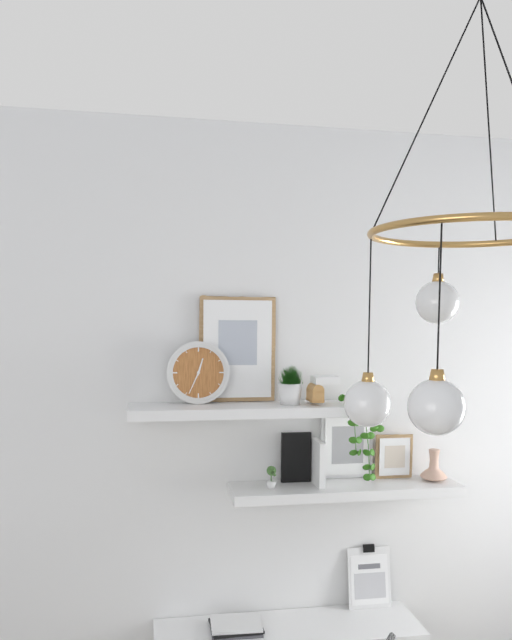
12:34
